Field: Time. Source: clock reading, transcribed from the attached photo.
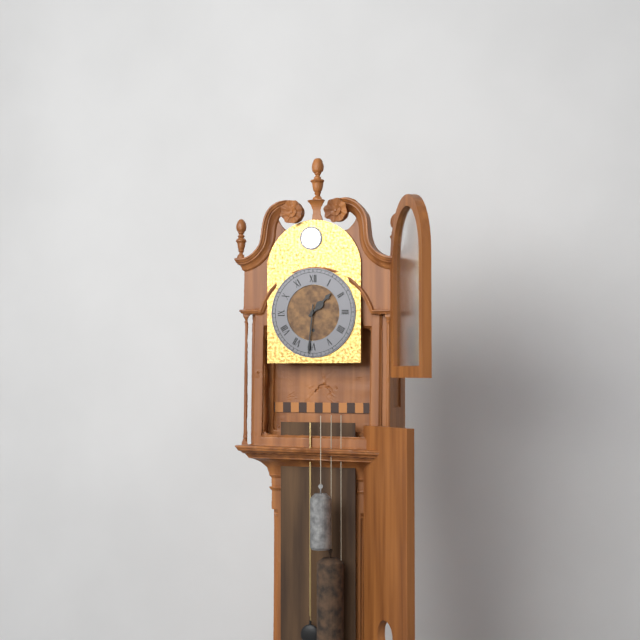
1:31
